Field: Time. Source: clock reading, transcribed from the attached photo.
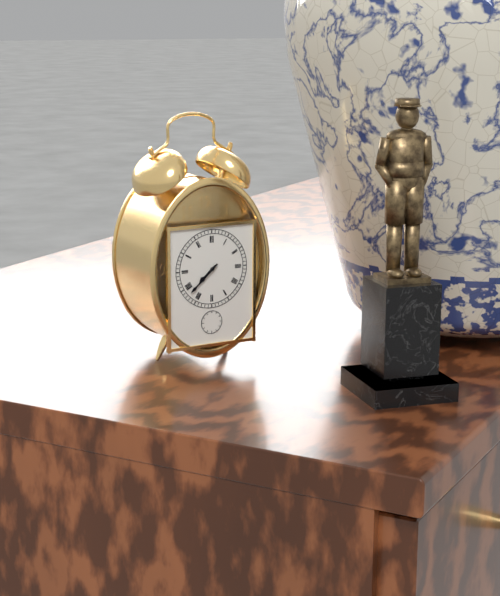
7:38
